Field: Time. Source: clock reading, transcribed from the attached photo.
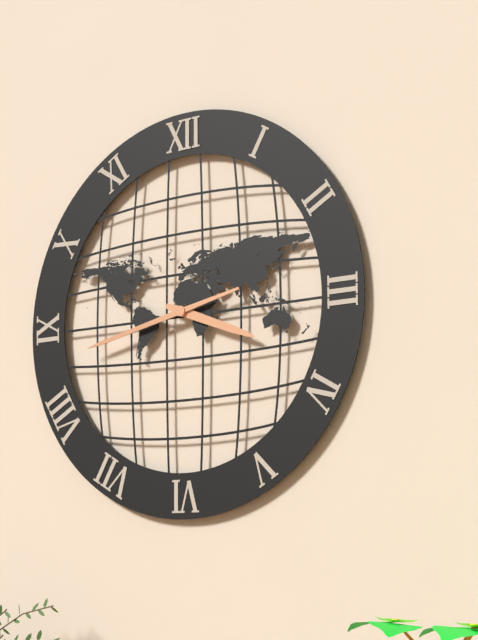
3:43
